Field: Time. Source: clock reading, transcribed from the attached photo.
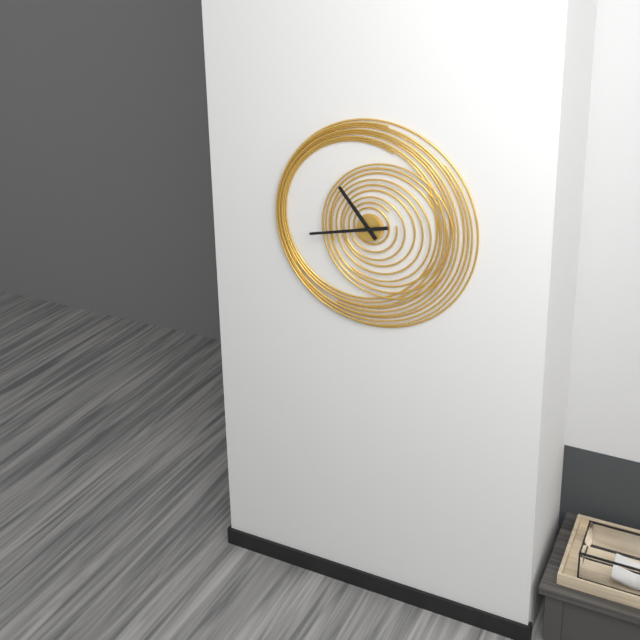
10:43
